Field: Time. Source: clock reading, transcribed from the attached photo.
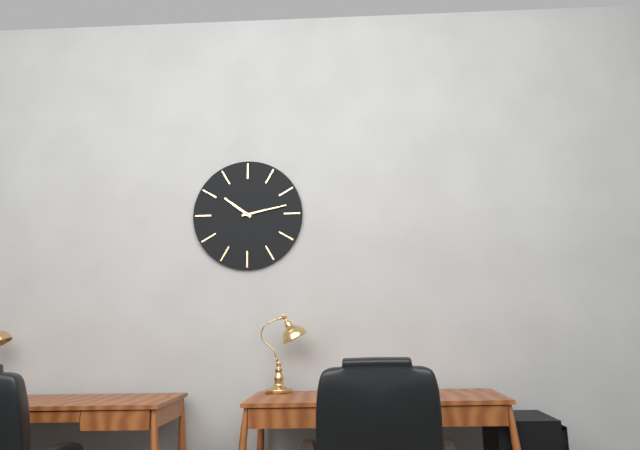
10:13
